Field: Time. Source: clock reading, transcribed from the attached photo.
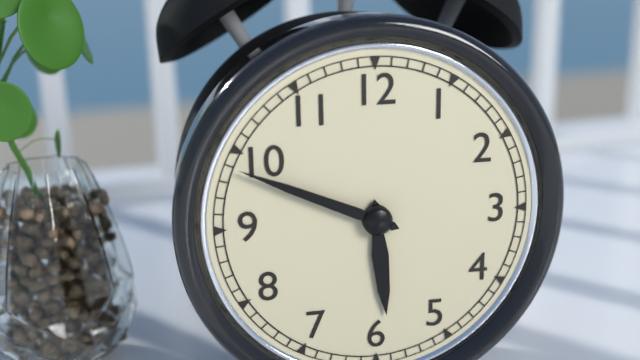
5:49
